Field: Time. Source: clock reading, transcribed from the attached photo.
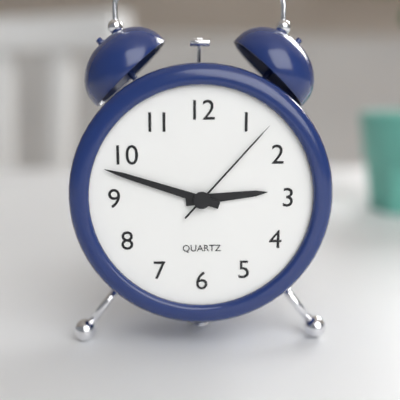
2:48:07
